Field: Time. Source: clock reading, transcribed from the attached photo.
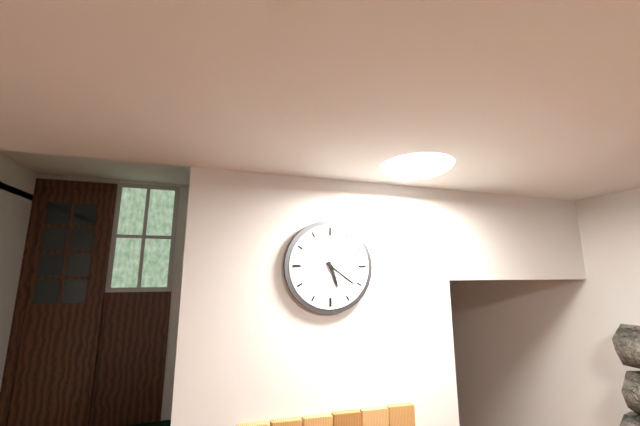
5:21
